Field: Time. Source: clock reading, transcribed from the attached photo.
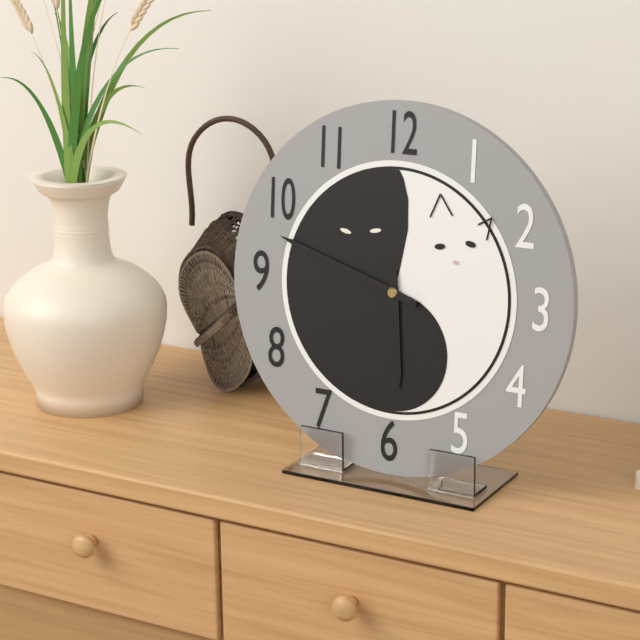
5:48
